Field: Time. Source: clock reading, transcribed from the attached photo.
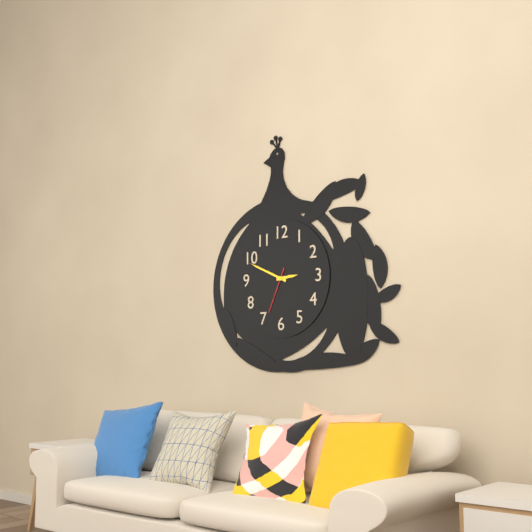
2:49
